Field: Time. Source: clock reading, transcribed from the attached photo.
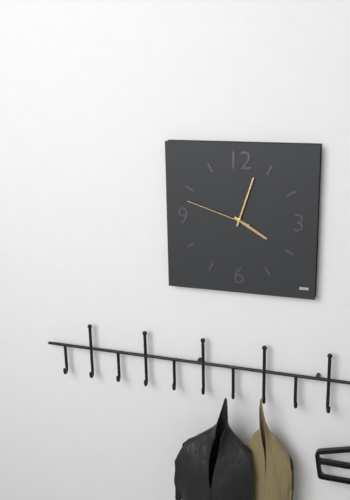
4:03:48
